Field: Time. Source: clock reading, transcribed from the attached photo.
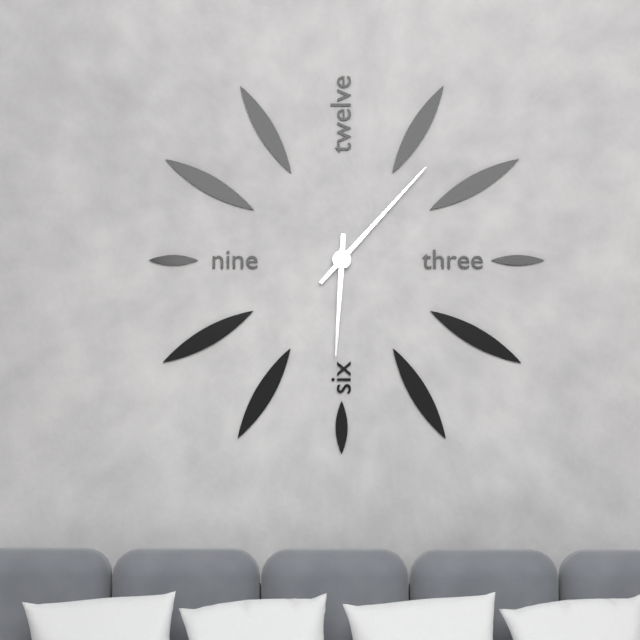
6:07
